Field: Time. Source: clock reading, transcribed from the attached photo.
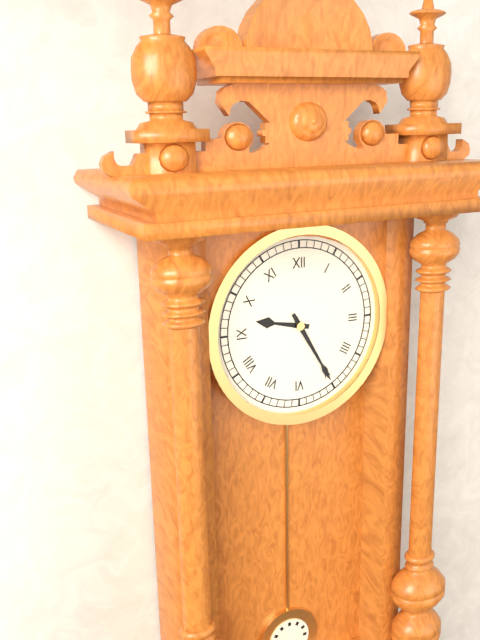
9:25
